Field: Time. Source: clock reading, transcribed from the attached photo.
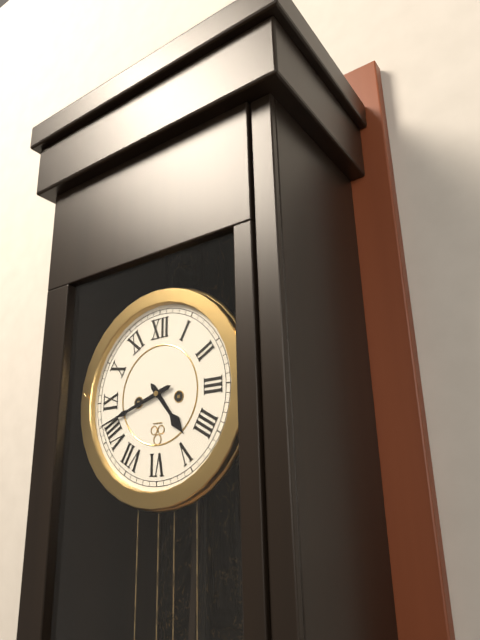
4:42
